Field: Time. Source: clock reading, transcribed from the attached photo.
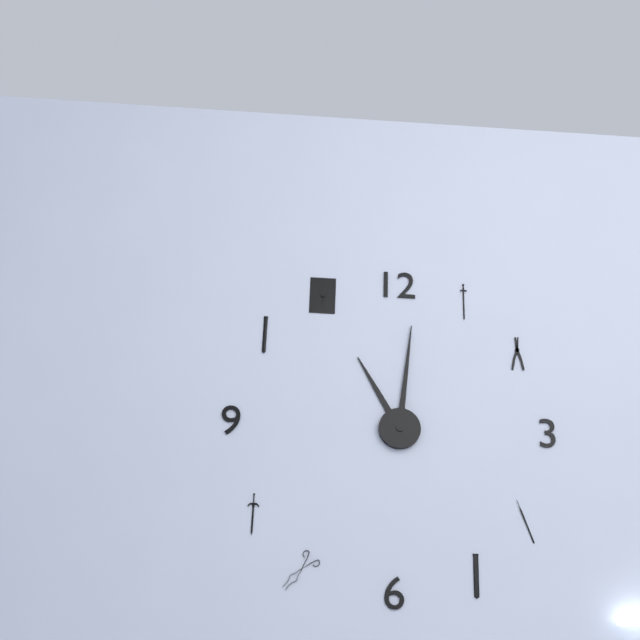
11:01
